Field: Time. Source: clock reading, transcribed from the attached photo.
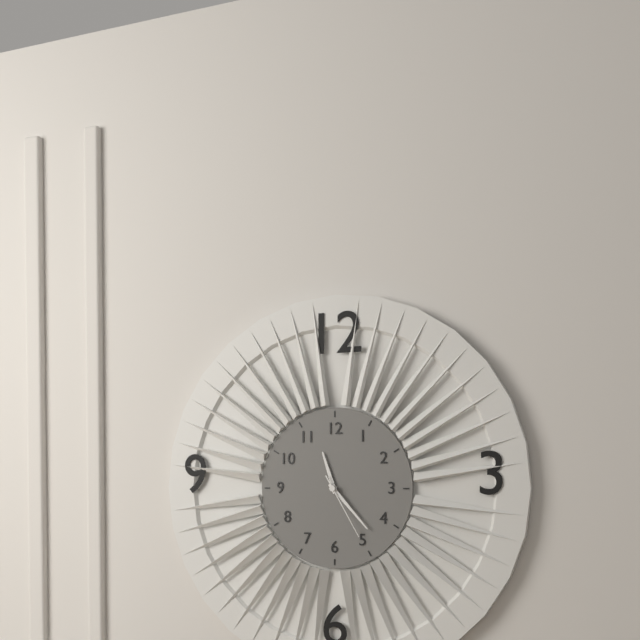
11:23:25
